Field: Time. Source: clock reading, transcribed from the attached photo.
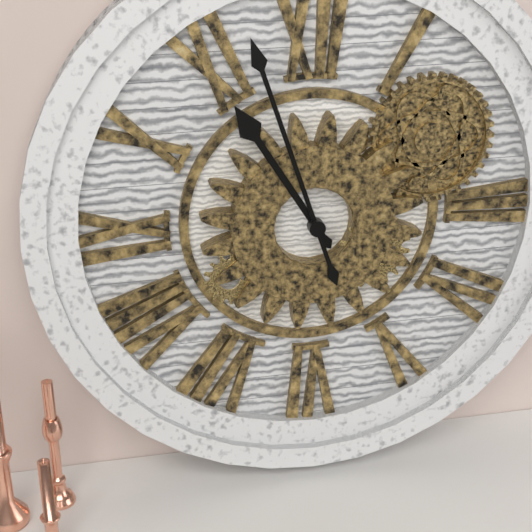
10:57
